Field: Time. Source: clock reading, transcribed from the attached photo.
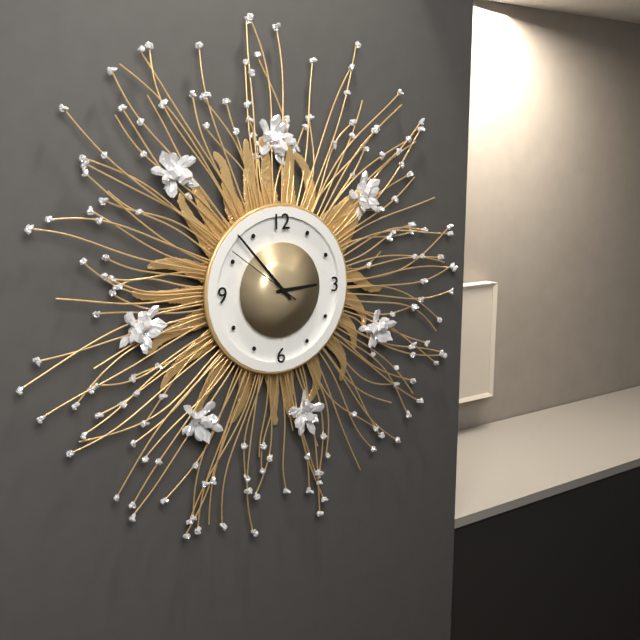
2:53:51
